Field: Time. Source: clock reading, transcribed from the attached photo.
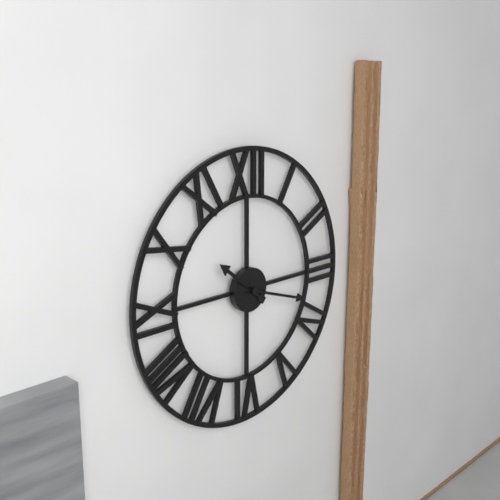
10:18
